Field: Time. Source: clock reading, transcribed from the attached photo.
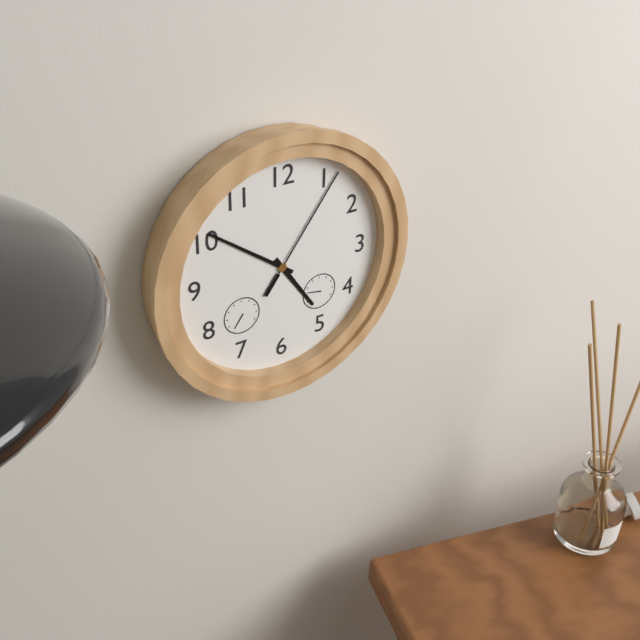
4:51:06
